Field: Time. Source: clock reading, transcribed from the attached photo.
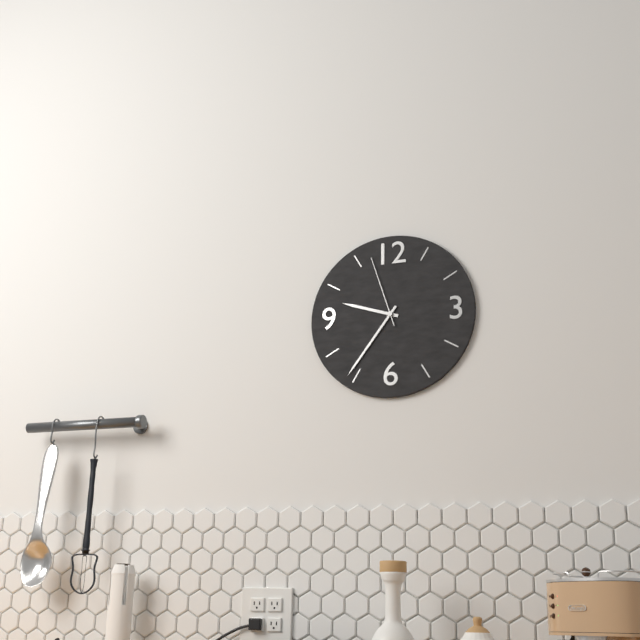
9:36:57
